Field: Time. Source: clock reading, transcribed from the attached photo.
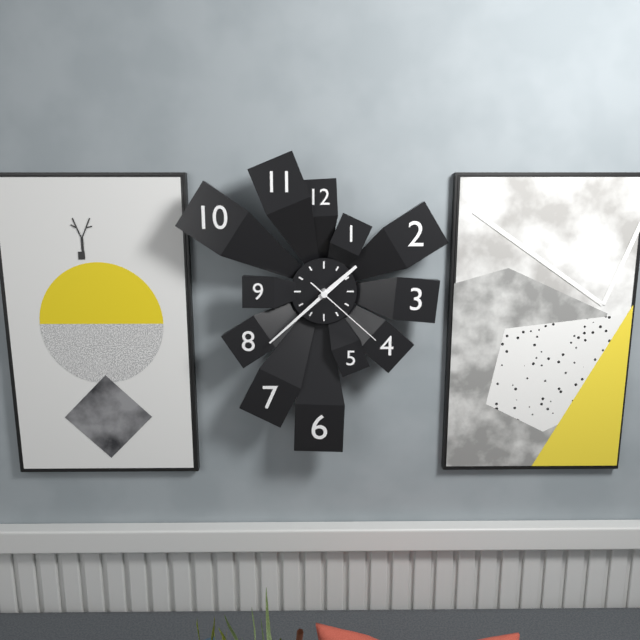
1:38:22
